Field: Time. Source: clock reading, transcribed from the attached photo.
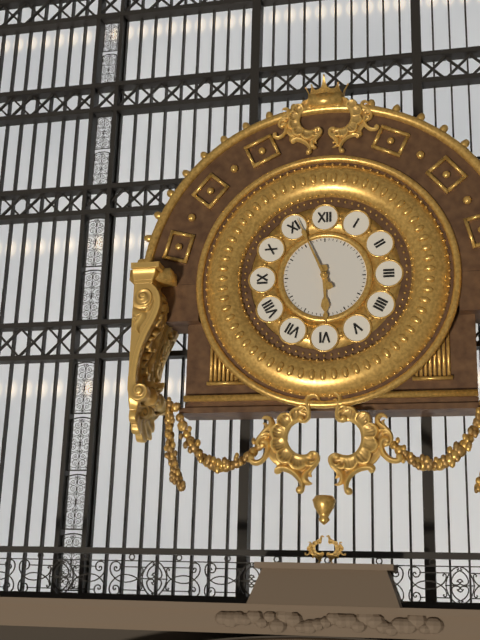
5:56
